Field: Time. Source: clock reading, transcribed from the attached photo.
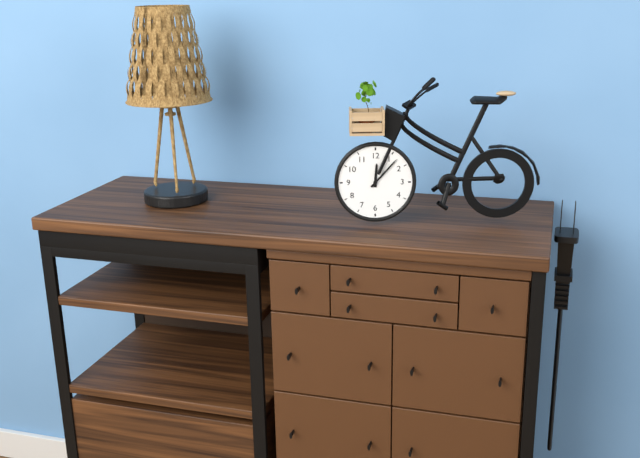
12:07
